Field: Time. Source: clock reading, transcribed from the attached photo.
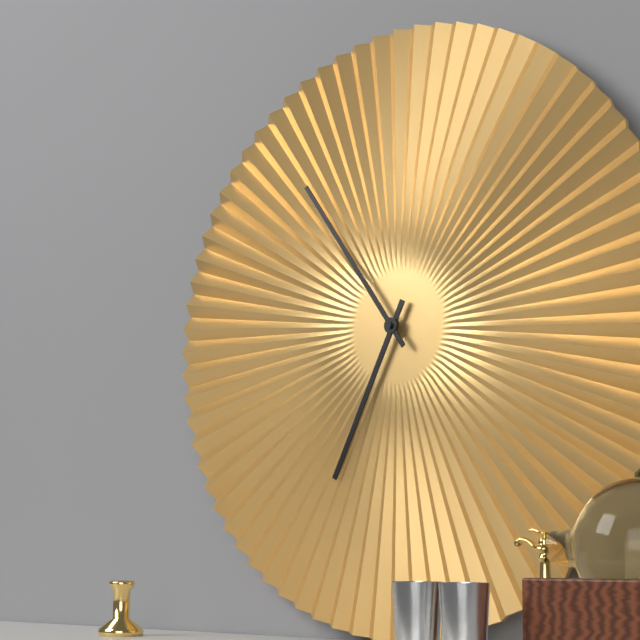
6:54
